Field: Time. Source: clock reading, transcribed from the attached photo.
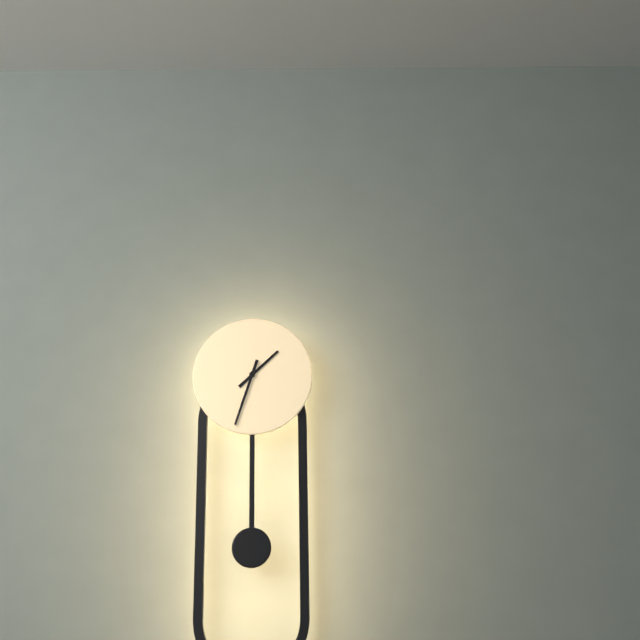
1:33
